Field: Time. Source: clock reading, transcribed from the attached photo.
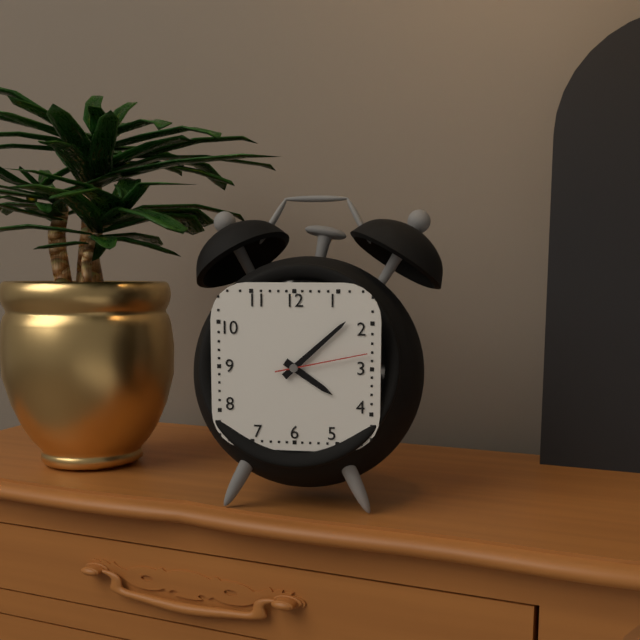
4:08:13
